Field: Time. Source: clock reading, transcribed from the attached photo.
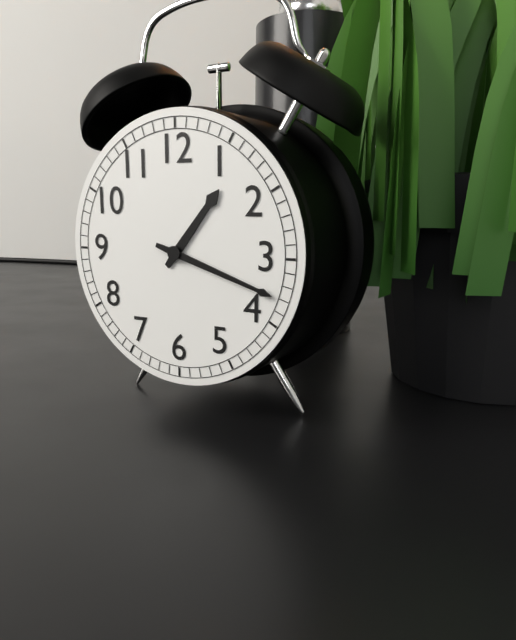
1:18
